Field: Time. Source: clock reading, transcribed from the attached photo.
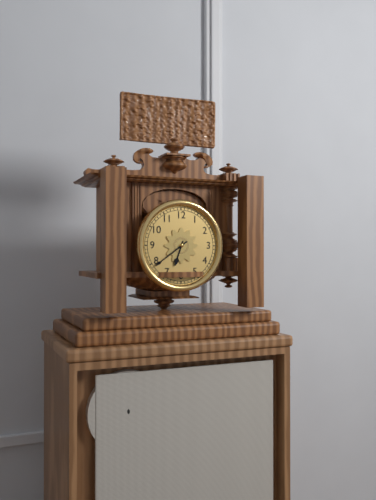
6:39
